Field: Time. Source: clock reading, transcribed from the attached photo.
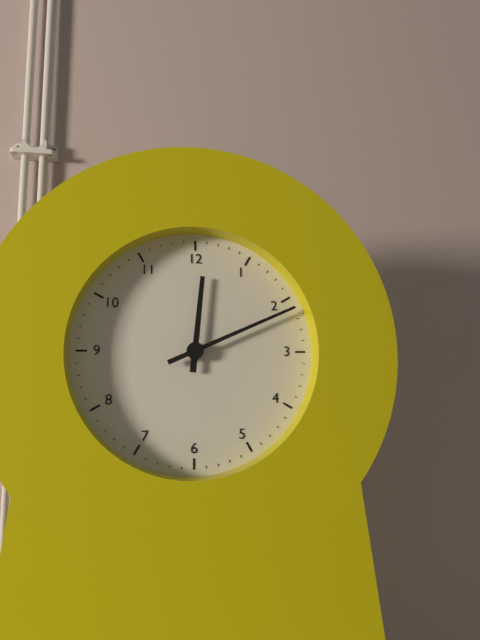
12:11
